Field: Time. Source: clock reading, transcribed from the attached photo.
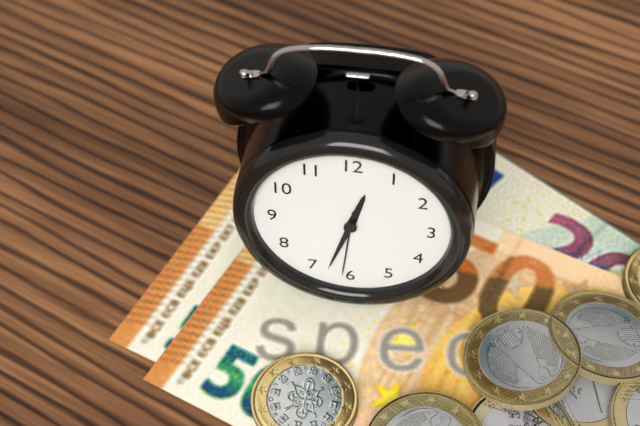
12:33:31
